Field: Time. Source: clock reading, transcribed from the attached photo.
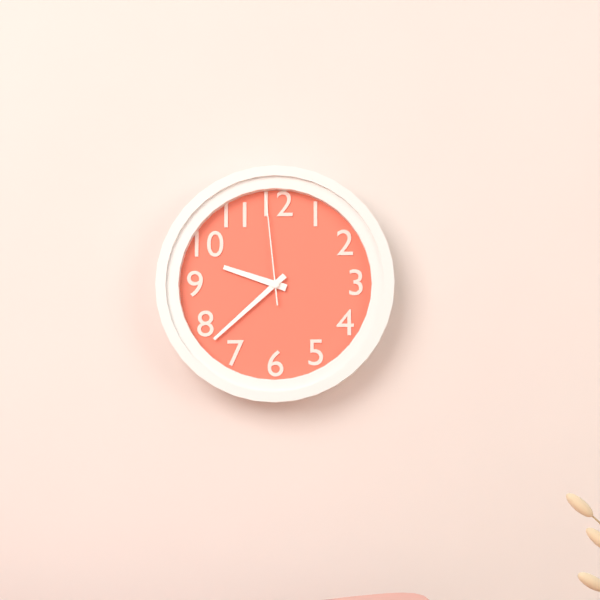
9:38:59
